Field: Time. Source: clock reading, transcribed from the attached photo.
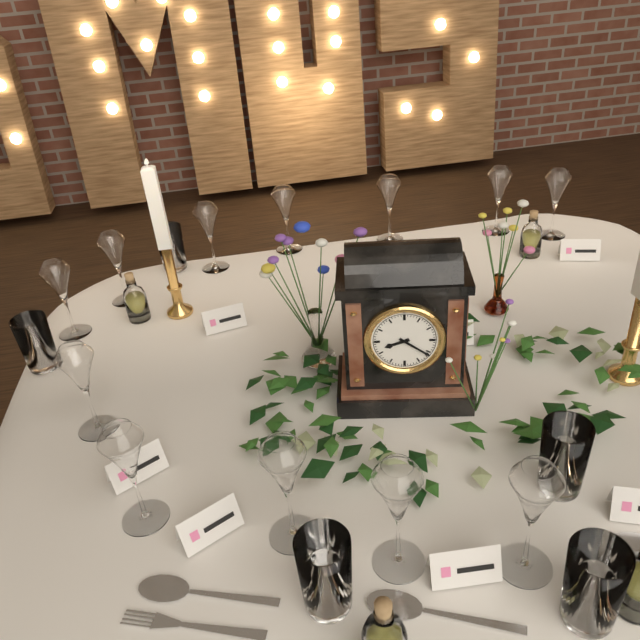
8:21
